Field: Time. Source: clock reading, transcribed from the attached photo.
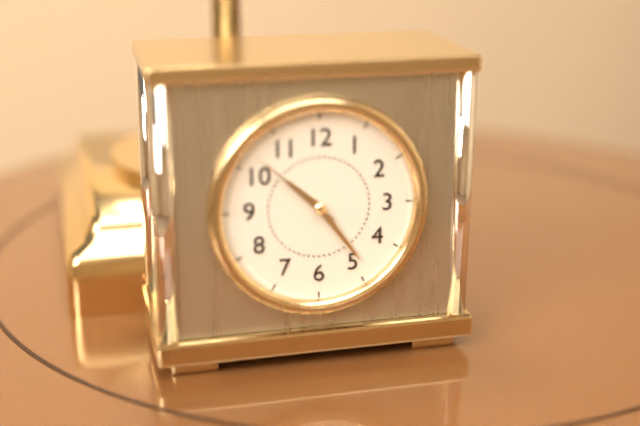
10:24:52
